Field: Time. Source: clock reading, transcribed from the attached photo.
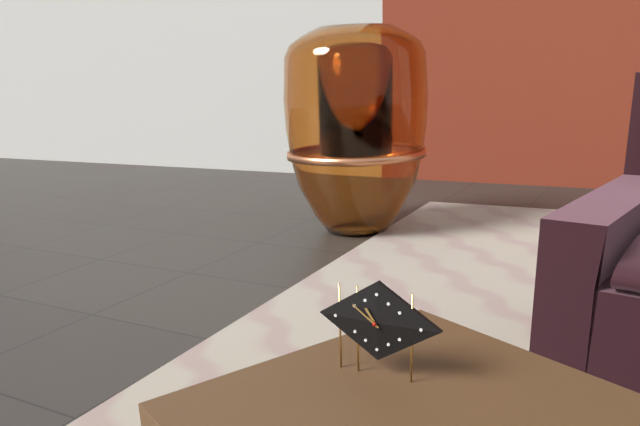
10:51
